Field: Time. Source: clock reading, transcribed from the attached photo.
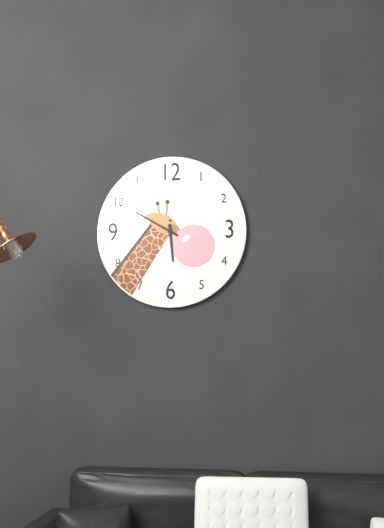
5:50
